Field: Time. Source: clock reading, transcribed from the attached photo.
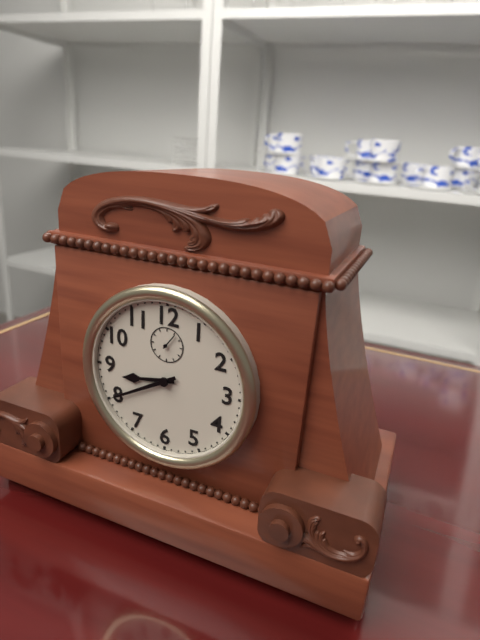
8:40
